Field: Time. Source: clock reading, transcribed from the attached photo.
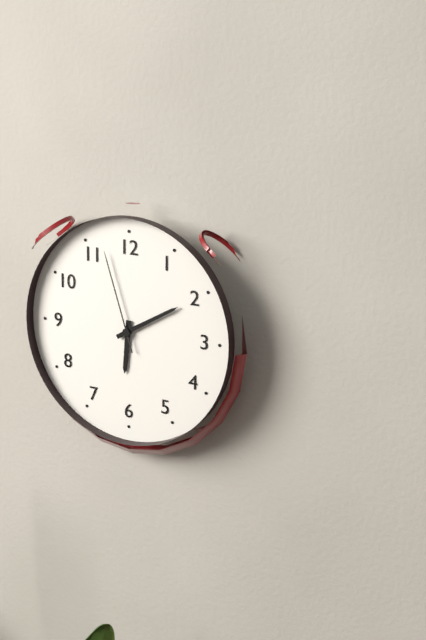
6:10:57
